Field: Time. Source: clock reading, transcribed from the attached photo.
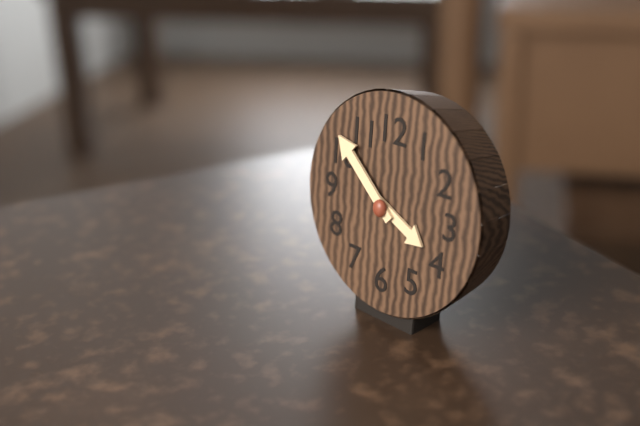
3:52
